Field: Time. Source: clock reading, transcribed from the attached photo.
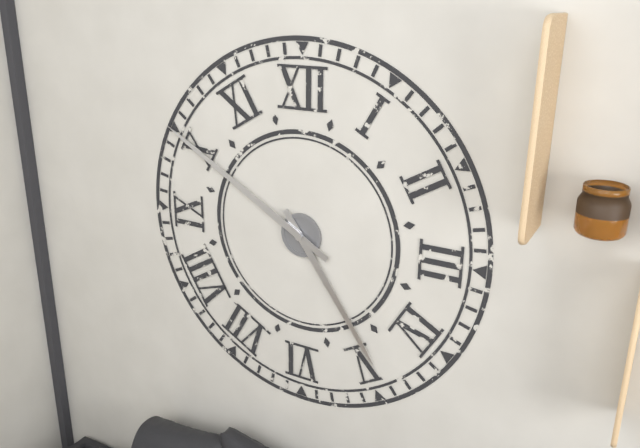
4:50
